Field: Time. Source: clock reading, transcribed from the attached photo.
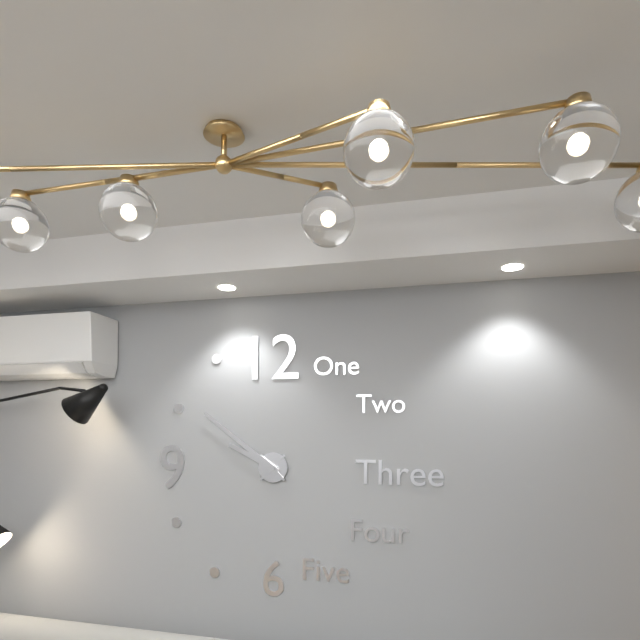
9:51
